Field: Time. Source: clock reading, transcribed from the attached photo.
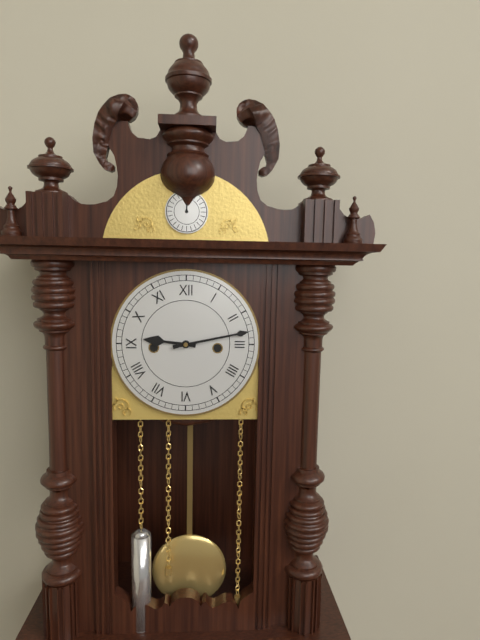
9:13
